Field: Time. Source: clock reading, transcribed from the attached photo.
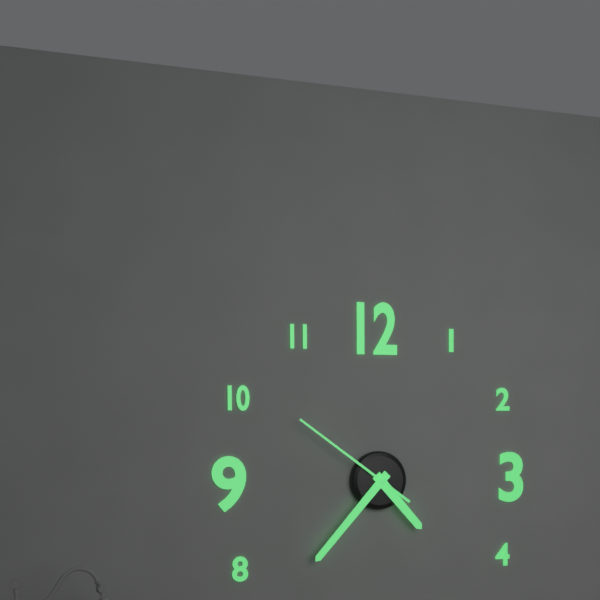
4:37:51
